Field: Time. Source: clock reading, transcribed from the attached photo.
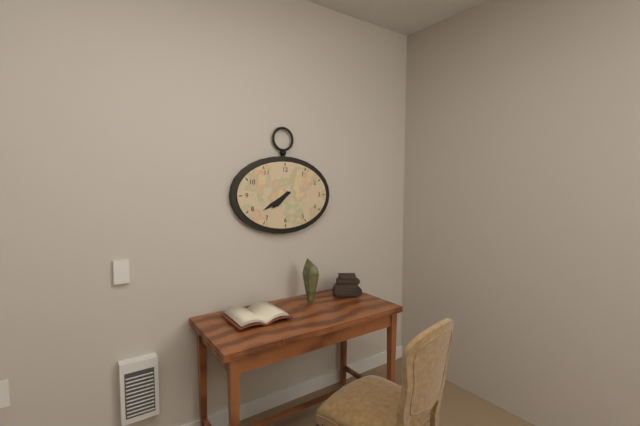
7:40
